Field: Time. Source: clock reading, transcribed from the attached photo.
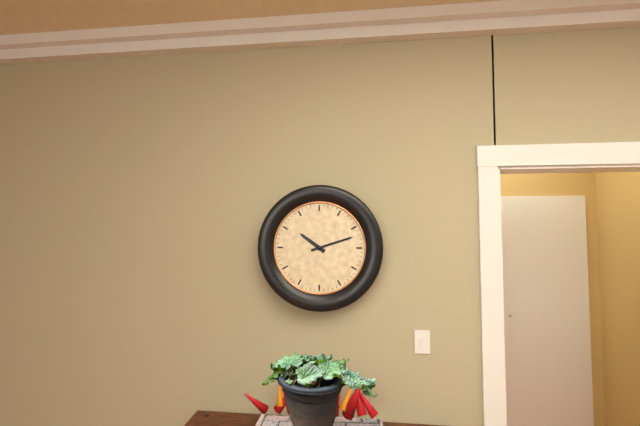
10:12
